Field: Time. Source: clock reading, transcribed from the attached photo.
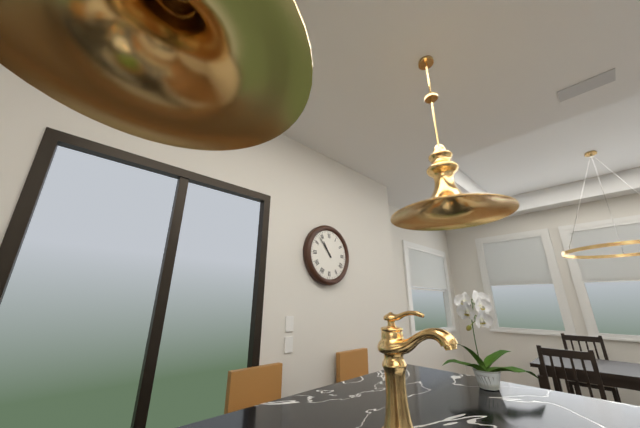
10:53
